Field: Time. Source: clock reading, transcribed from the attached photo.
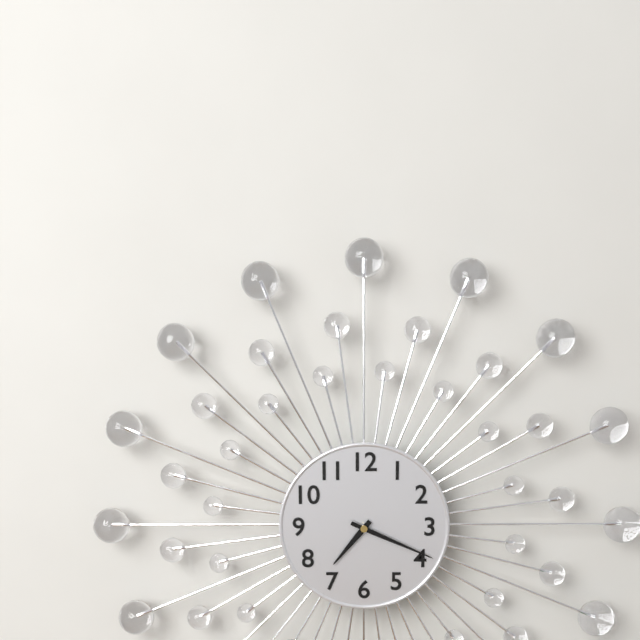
7:19
